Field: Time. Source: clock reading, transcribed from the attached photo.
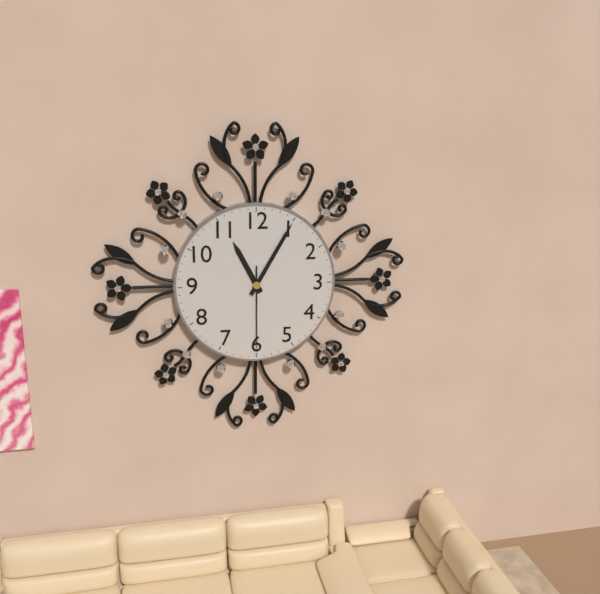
11:05:30
